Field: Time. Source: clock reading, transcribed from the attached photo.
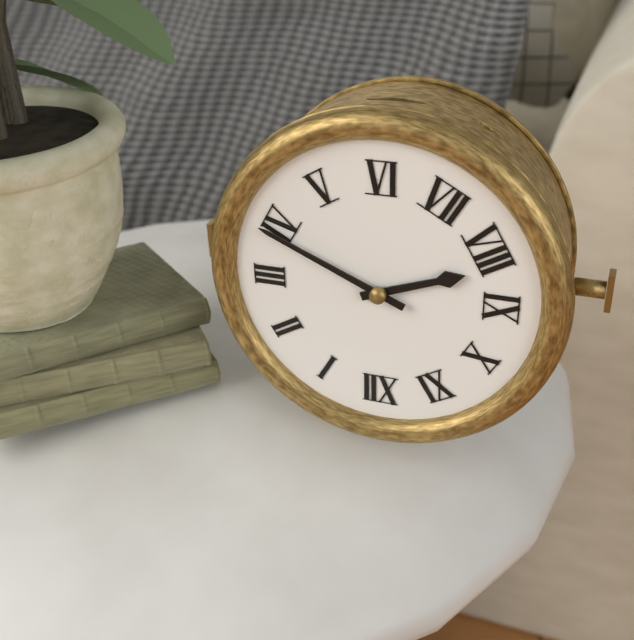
8:19
